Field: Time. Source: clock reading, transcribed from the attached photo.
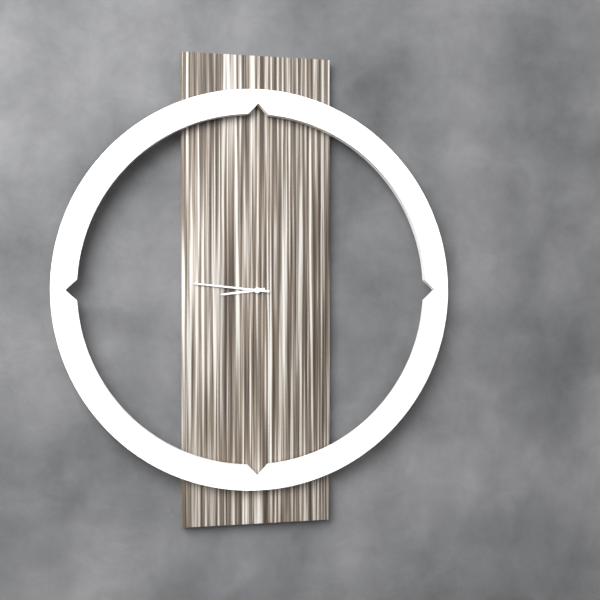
8:46
